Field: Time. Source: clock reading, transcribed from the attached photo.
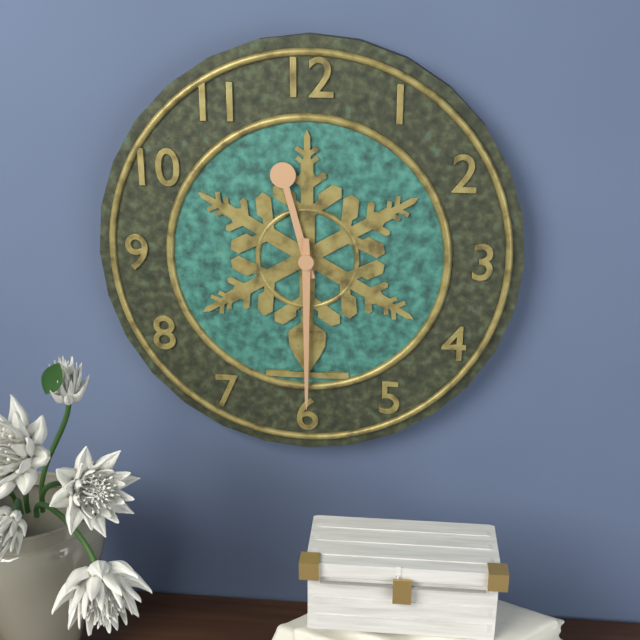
11:30
